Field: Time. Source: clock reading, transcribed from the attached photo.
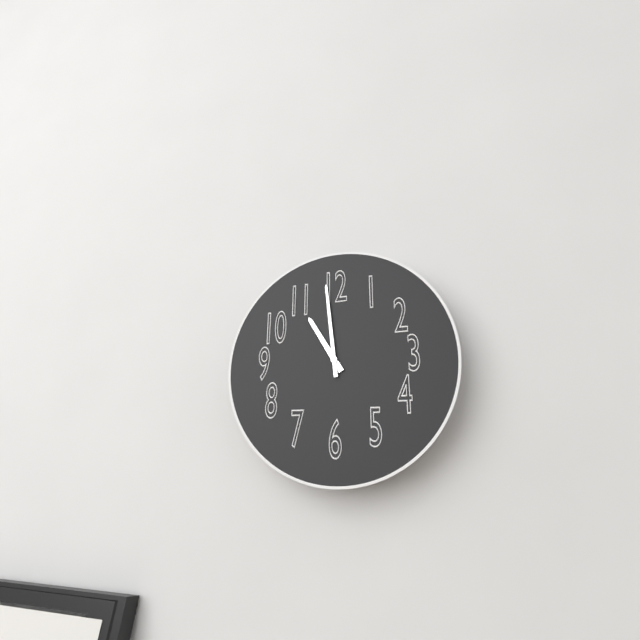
10:59
